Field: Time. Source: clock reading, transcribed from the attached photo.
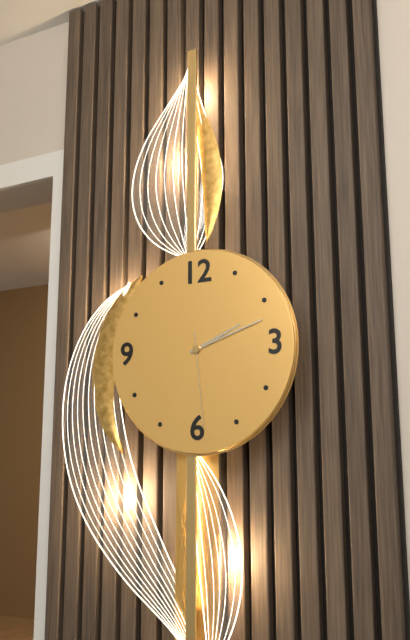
2:12:29
